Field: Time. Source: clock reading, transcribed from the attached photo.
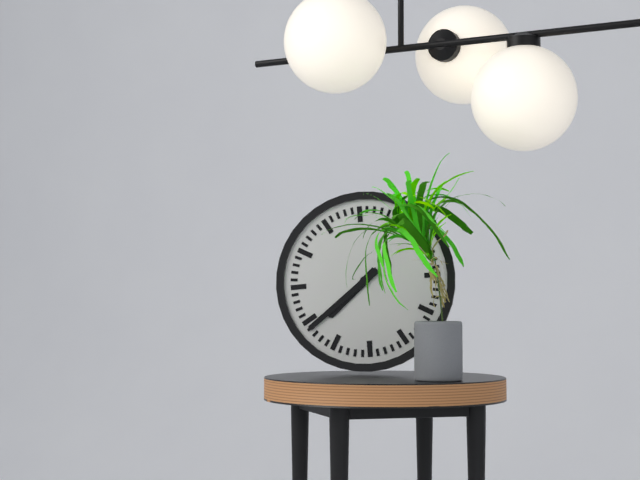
7:39
